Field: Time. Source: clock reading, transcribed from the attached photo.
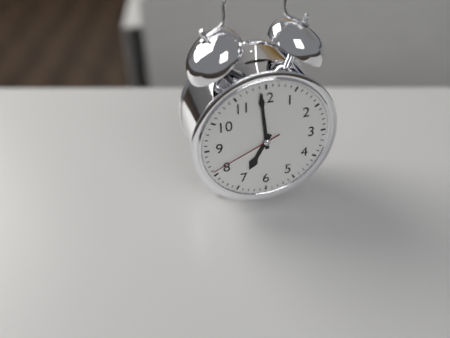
6:59:41
